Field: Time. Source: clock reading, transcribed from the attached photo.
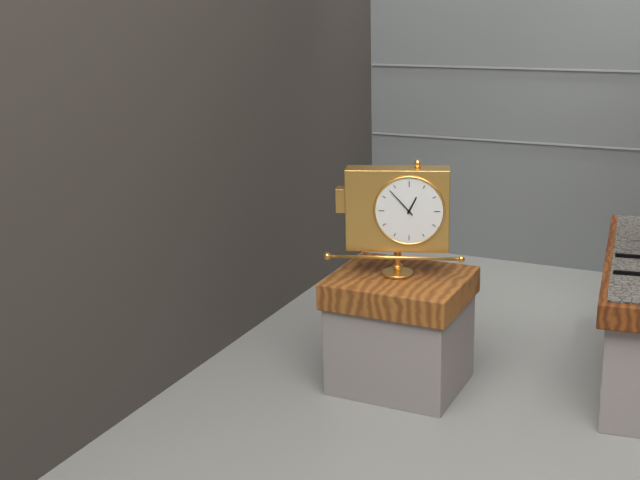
12:53
